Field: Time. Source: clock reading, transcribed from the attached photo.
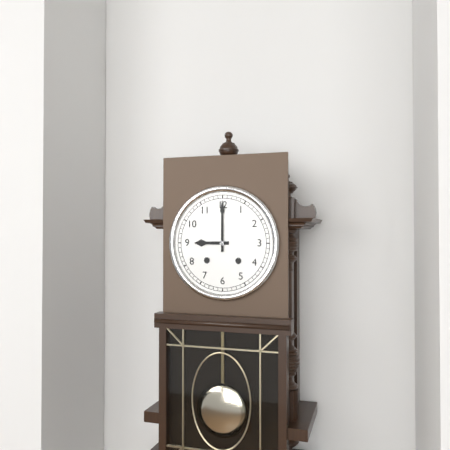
9:00
